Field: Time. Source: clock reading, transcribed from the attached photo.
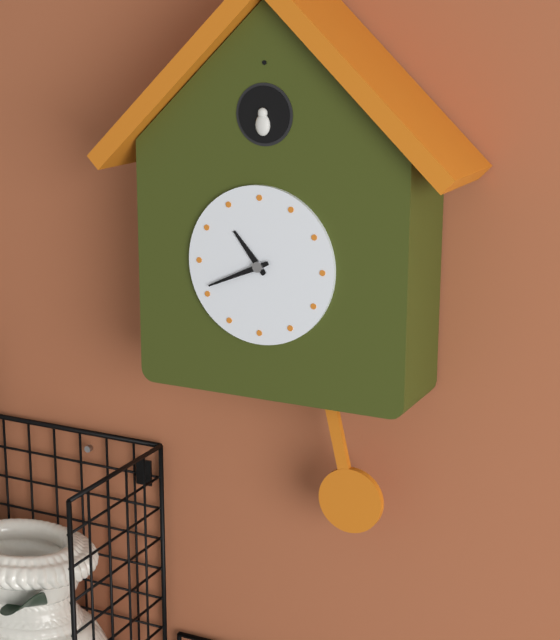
10:41
